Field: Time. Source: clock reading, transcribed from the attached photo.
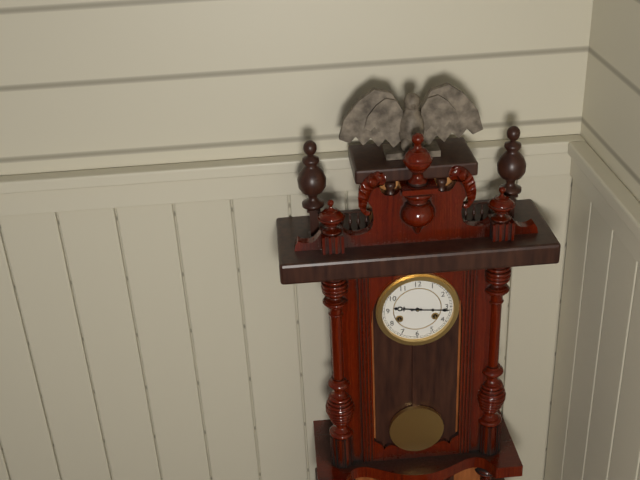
9:16
